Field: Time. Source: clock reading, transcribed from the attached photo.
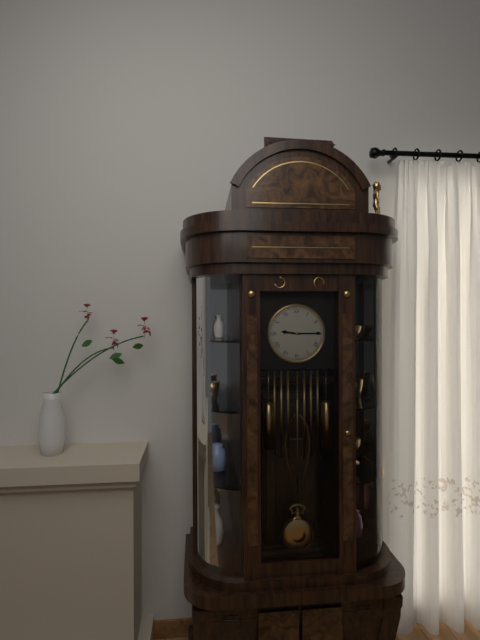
9:15
